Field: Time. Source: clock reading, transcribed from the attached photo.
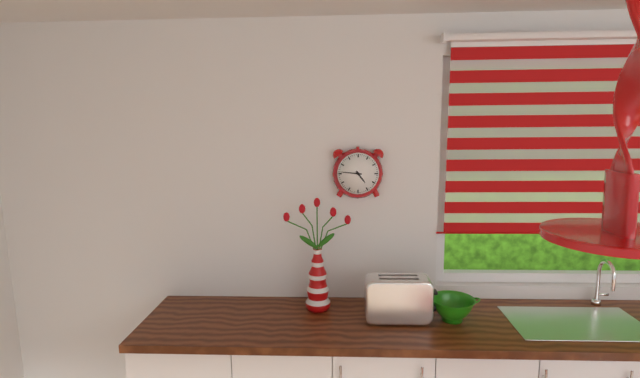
4:46
